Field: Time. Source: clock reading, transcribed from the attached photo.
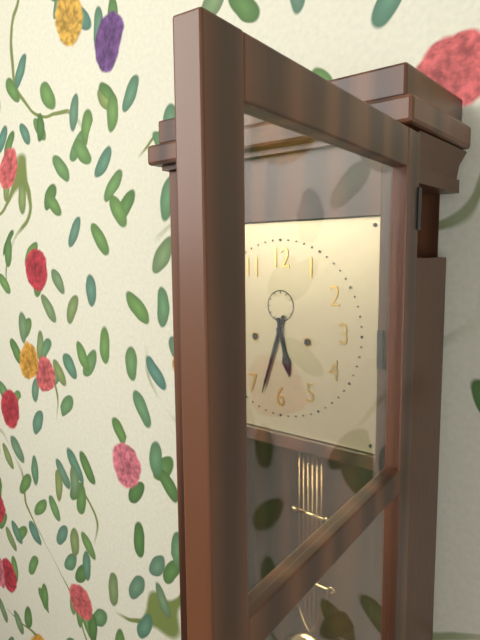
5:33
